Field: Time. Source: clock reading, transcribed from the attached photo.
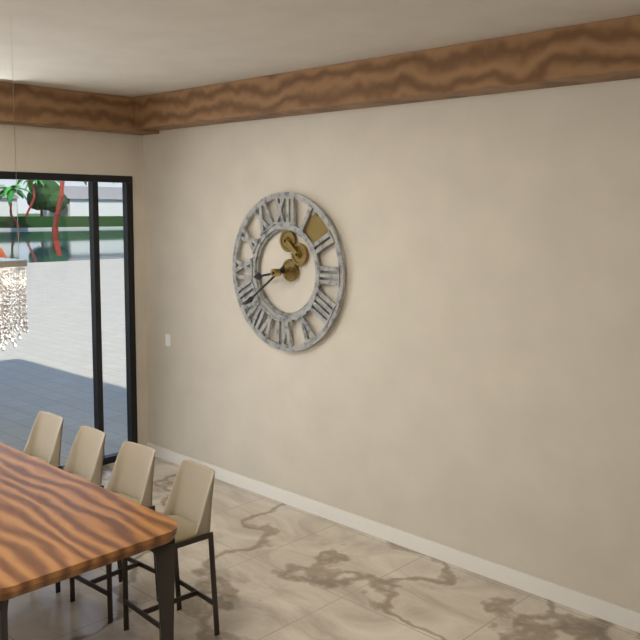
8:39
